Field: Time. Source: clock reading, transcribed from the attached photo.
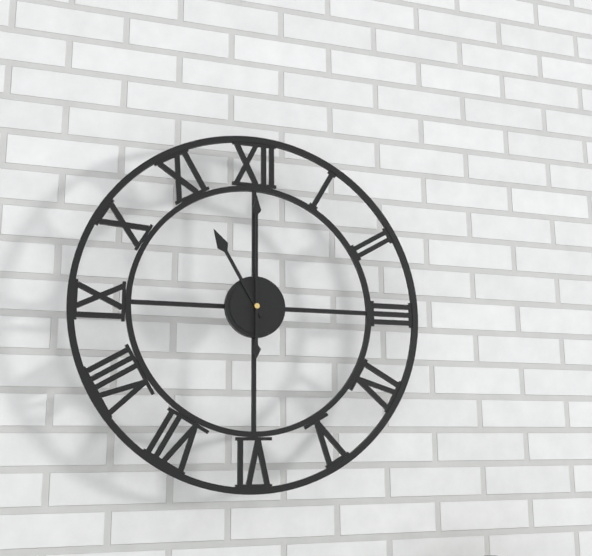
11:00
